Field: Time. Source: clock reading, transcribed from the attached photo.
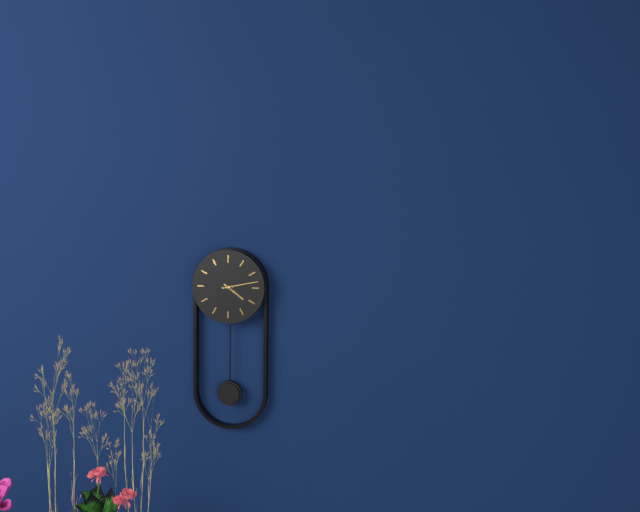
4:13
